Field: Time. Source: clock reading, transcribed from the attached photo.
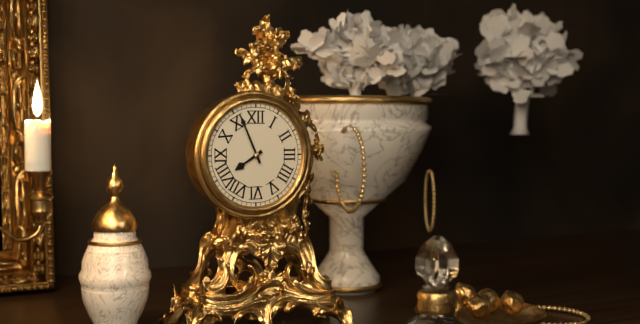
7:56
